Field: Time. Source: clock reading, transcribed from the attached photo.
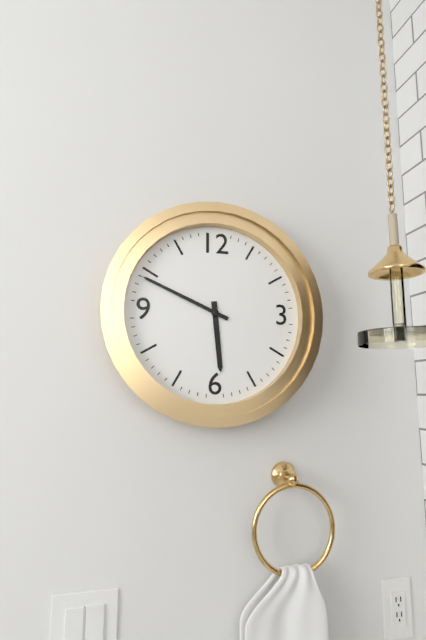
5:49
